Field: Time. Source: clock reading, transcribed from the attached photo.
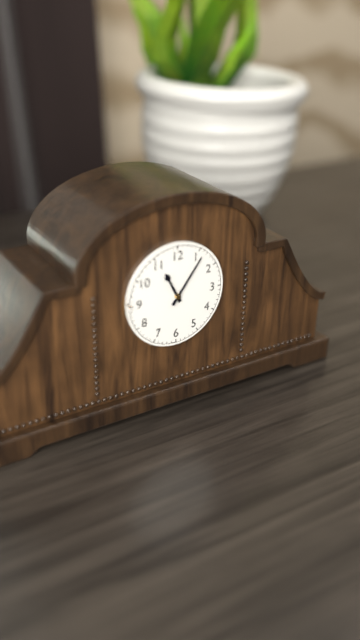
11:06
